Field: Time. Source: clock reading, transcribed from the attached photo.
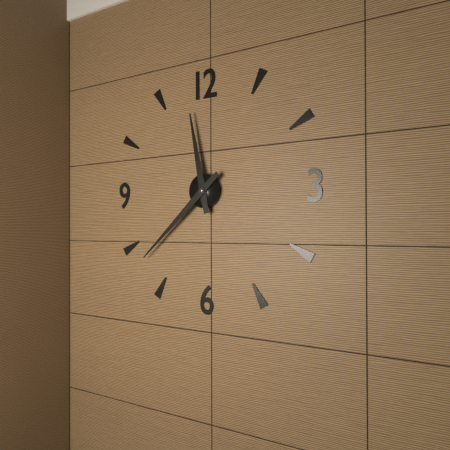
11:38
